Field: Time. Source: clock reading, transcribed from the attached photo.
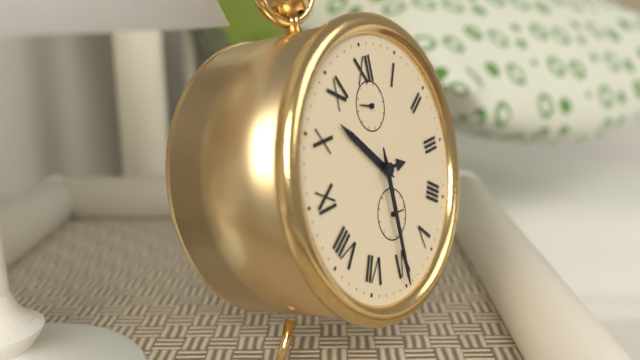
10:30
